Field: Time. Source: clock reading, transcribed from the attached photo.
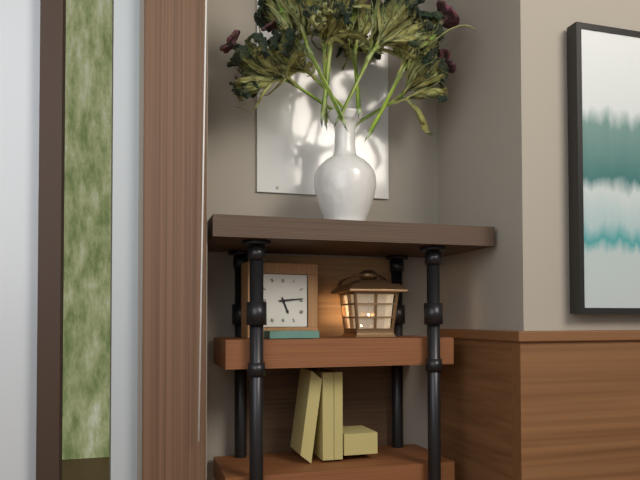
5:14
